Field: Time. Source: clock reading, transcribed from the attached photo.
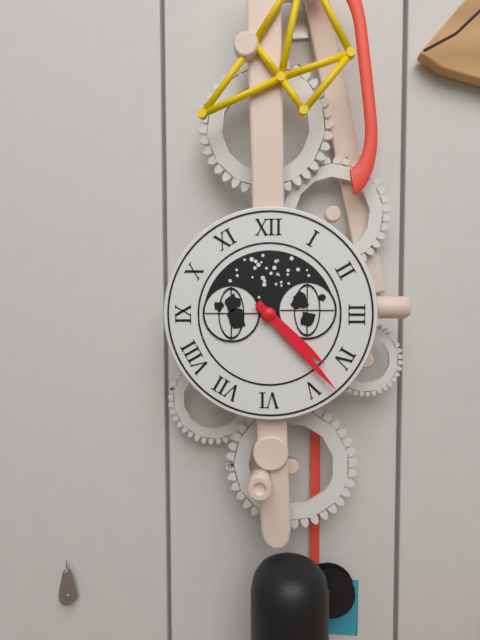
4:23
